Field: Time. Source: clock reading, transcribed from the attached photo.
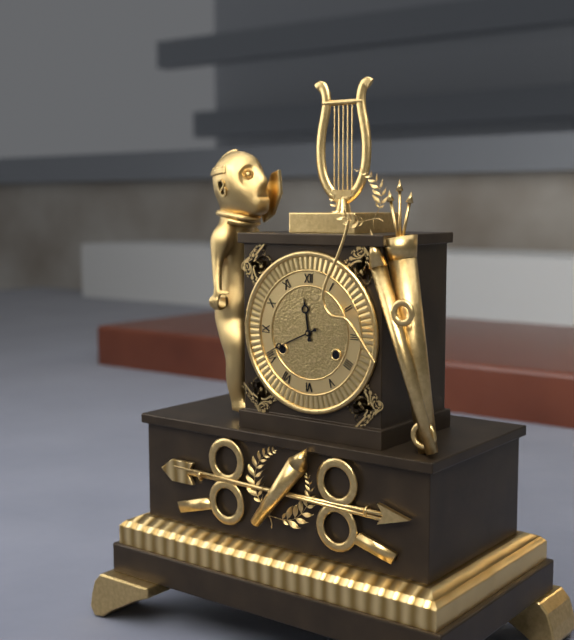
11:41
